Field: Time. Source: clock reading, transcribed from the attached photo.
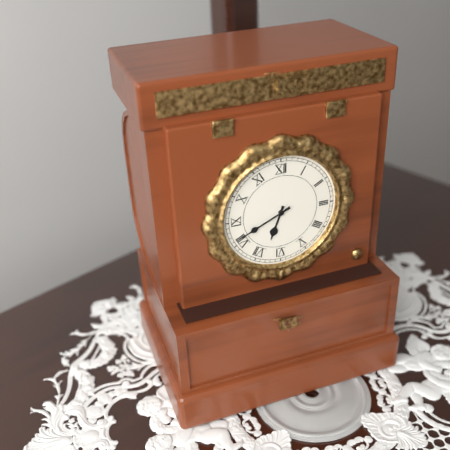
6:41
